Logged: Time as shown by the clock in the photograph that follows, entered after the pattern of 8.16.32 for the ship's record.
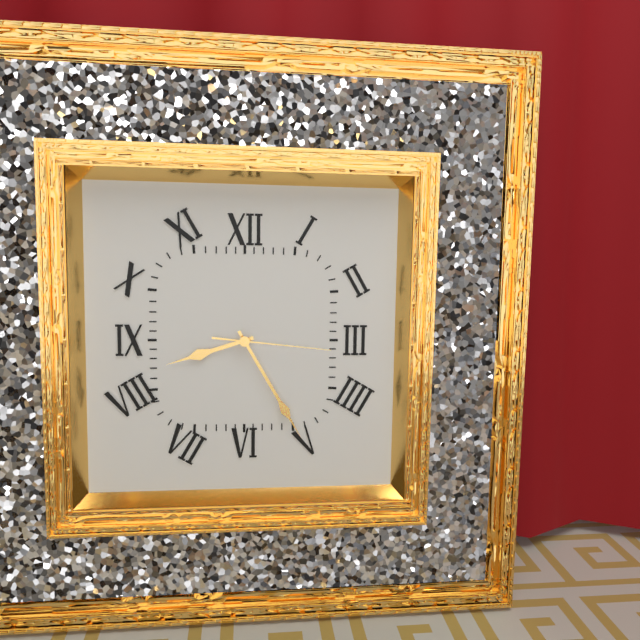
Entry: 8.25.16
